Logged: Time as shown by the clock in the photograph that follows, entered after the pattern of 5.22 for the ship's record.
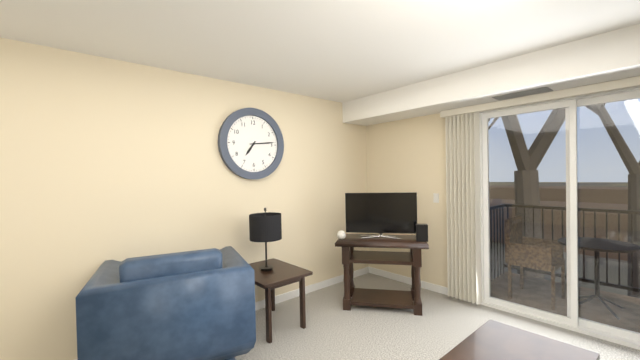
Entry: 7.14
